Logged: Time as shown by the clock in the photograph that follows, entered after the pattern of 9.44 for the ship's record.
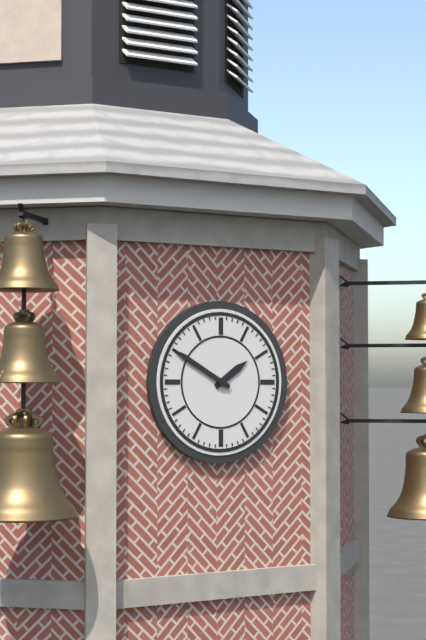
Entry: 1.50
